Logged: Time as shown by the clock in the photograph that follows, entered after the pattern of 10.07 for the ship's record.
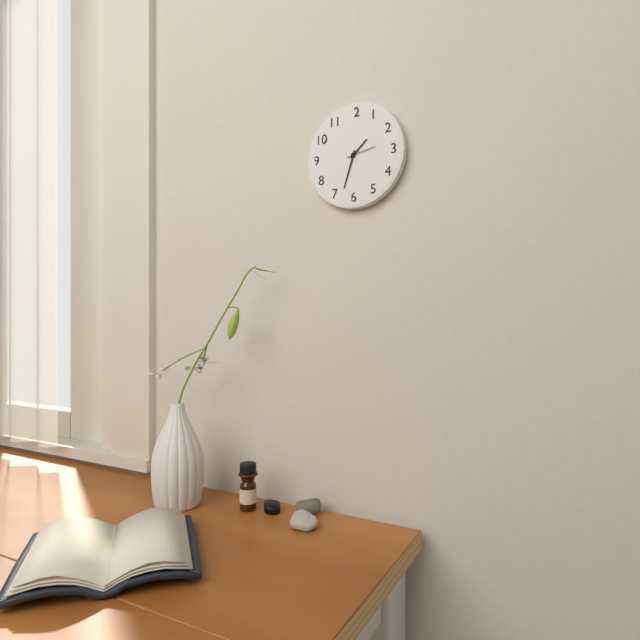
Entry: 1.33
